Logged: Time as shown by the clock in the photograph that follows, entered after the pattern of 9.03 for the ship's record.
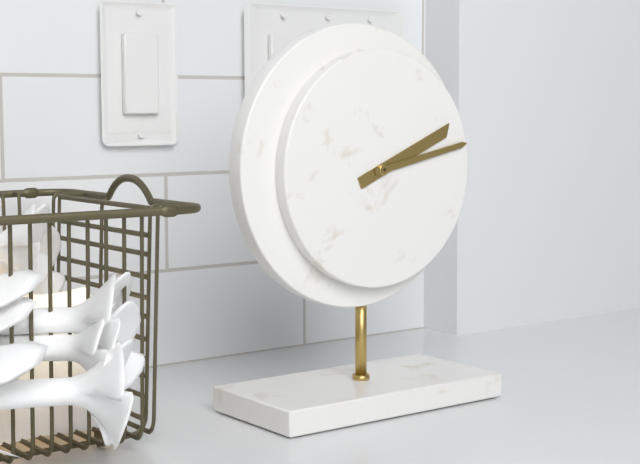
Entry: 2.13
